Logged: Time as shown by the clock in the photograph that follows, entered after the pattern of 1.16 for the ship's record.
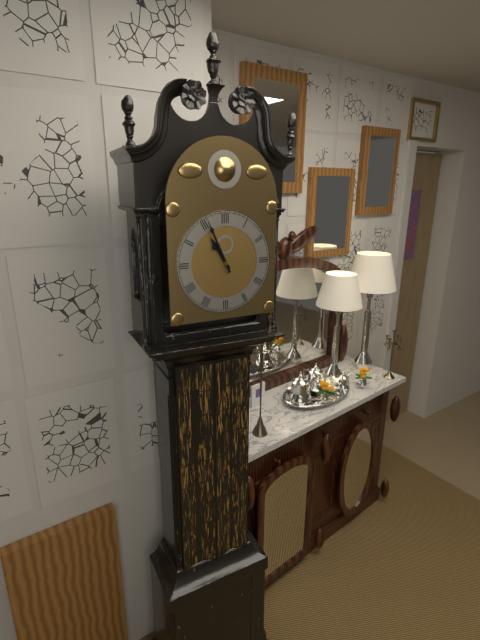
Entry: 10.56
